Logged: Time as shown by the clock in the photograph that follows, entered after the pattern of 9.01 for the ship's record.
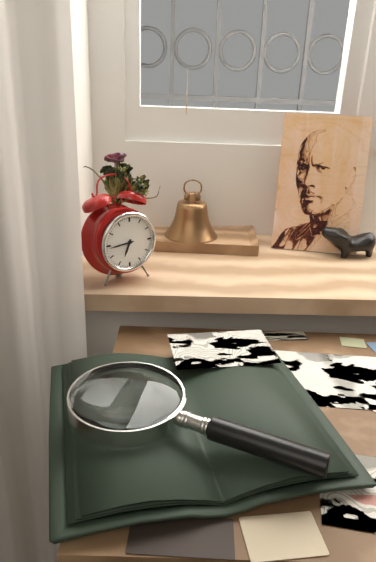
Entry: 6.44
